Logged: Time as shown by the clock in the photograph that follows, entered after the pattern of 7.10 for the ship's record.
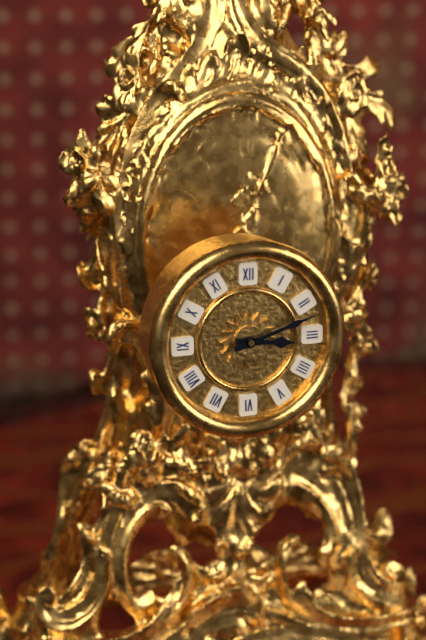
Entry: 3.12
